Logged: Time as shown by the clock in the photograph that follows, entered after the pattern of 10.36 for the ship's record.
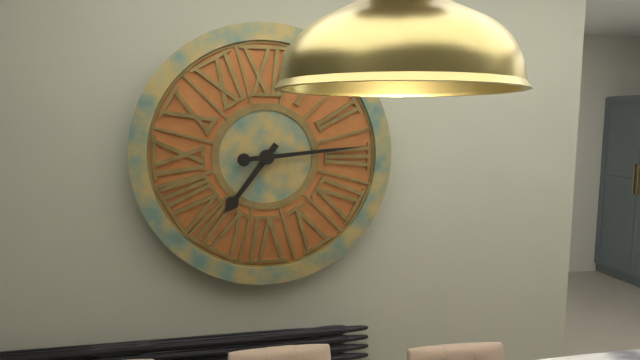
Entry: 7.14
